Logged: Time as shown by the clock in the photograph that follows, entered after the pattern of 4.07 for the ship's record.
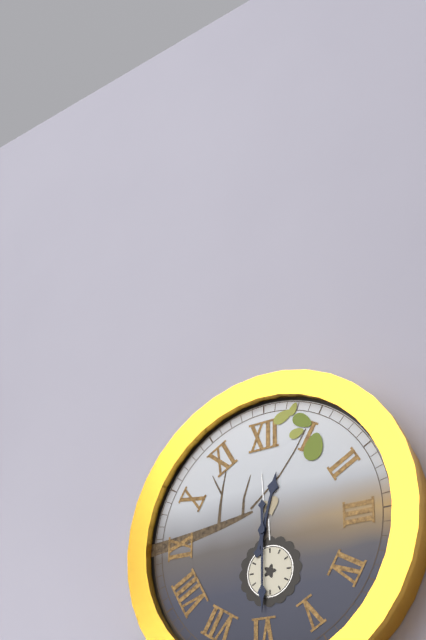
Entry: 12.30
